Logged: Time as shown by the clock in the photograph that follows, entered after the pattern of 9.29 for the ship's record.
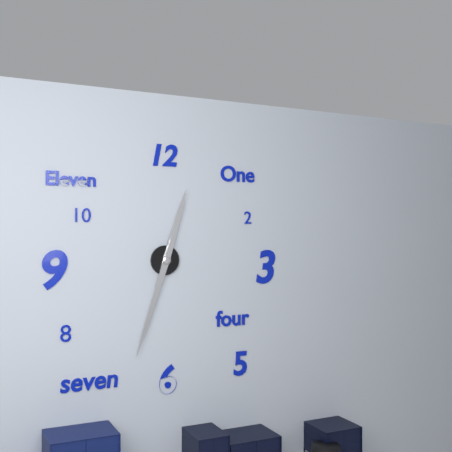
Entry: 12.33
